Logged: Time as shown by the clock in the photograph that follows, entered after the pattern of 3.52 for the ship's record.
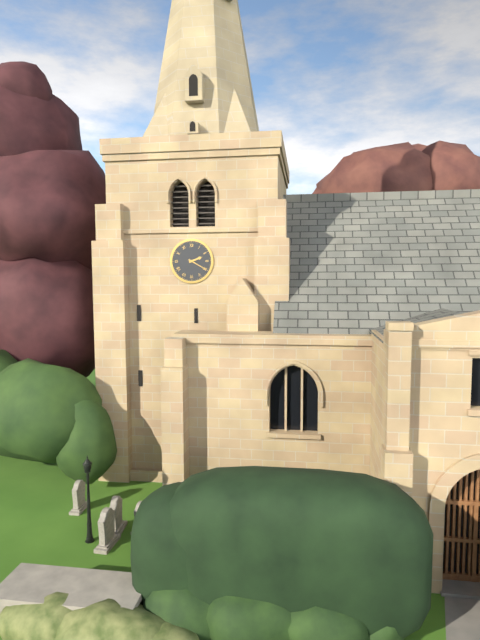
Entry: 2.20
